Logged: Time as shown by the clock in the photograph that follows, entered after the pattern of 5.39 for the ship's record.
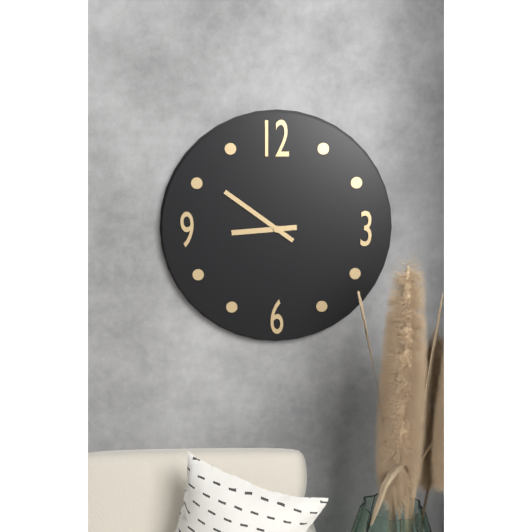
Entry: 8.51
